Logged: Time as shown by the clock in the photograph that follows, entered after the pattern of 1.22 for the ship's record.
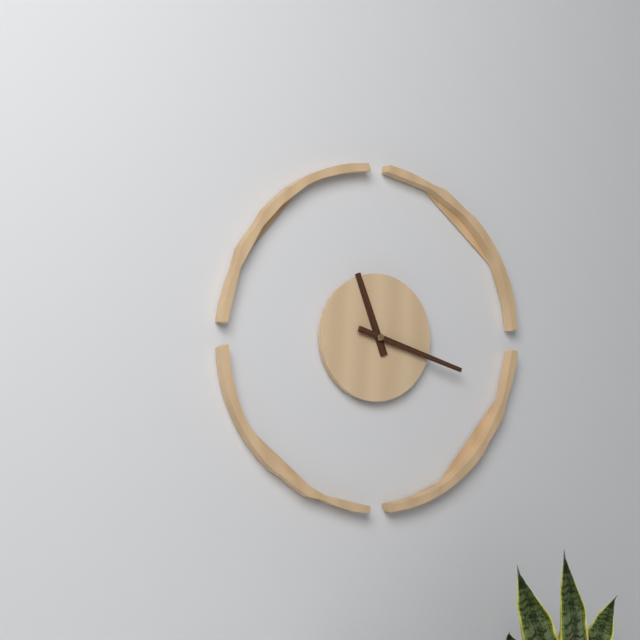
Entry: 11.18
